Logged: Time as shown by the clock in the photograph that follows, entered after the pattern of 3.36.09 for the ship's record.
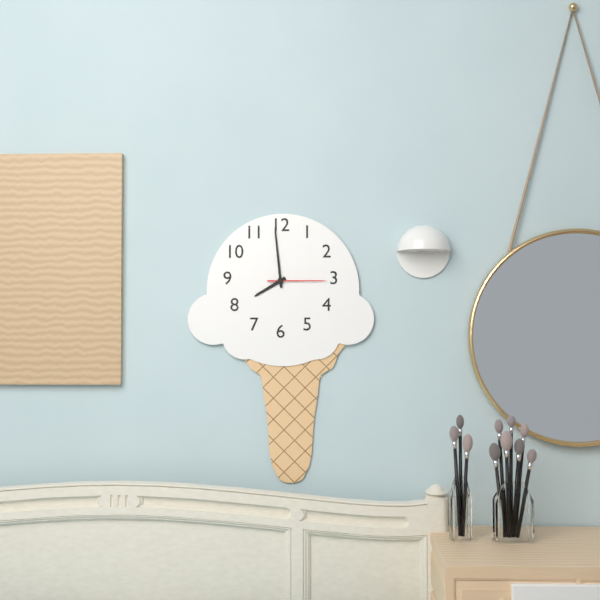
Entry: 7.59.15
